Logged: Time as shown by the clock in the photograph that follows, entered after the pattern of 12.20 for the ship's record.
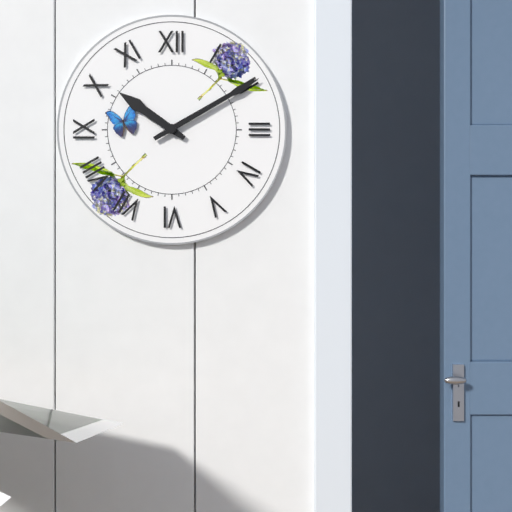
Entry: 10.10
